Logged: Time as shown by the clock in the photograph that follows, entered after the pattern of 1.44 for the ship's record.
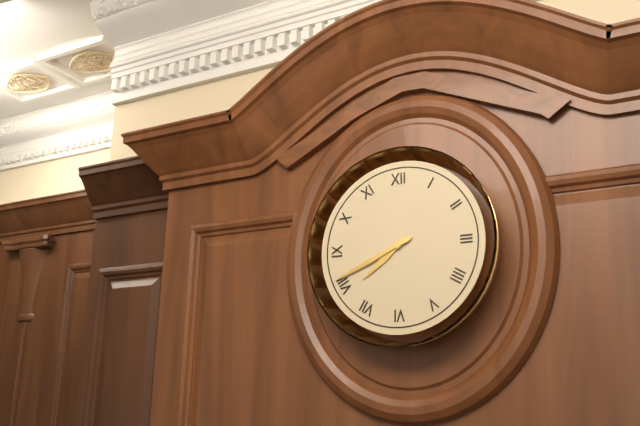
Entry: 7.41
